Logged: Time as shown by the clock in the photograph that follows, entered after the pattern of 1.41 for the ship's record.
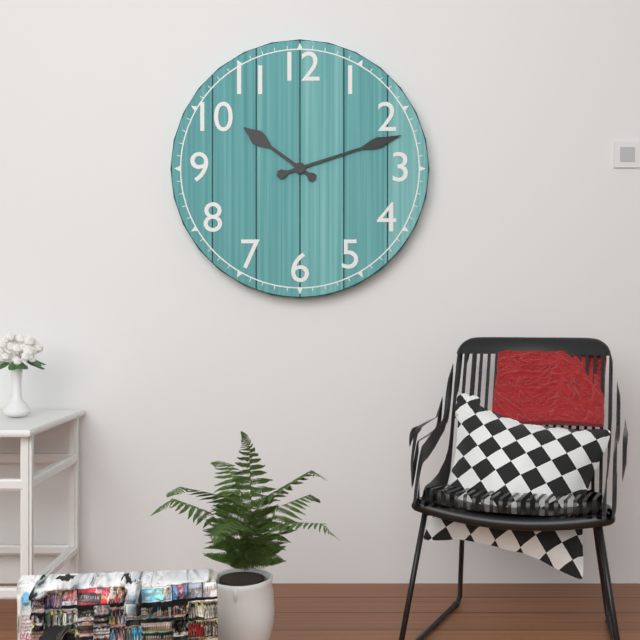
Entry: 10.12
